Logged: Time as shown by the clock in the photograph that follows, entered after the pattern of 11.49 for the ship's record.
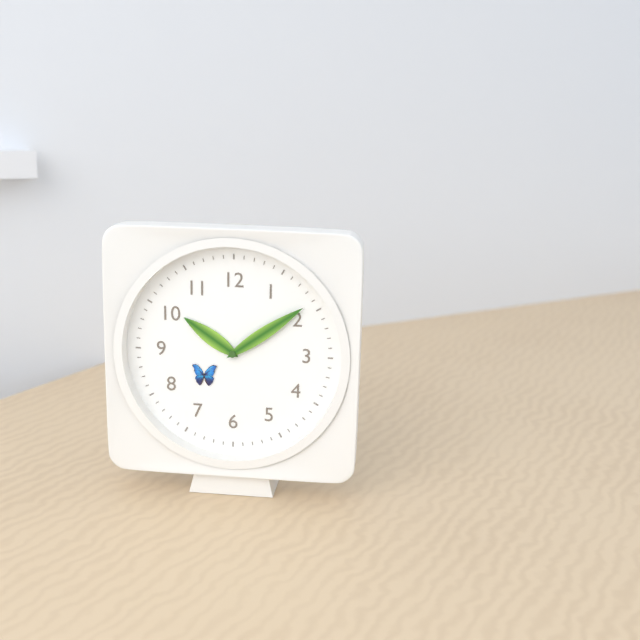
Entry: 10.09
